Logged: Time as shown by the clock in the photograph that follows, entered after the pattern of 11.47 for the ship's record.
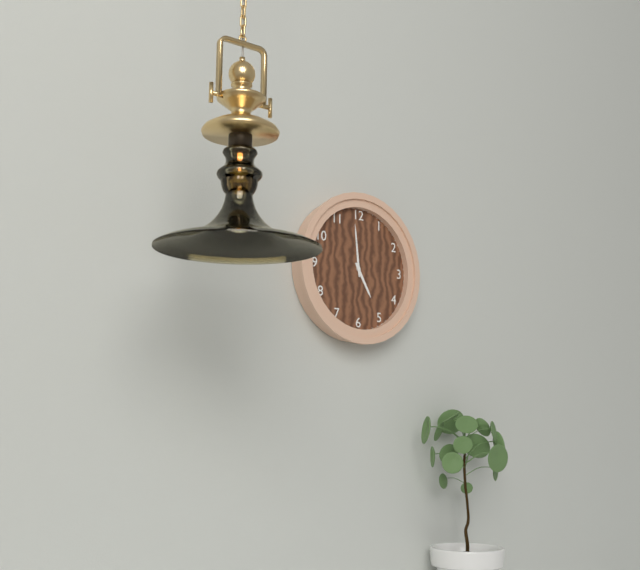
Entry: 4.59
